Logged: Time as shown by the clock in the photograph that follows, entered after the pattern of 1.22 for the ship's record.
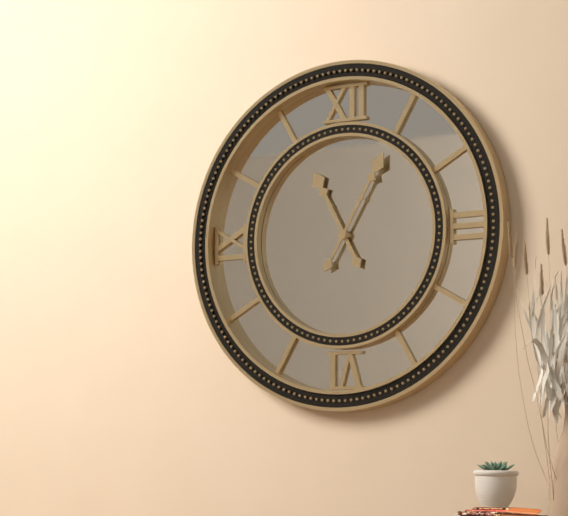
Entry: 11.05
